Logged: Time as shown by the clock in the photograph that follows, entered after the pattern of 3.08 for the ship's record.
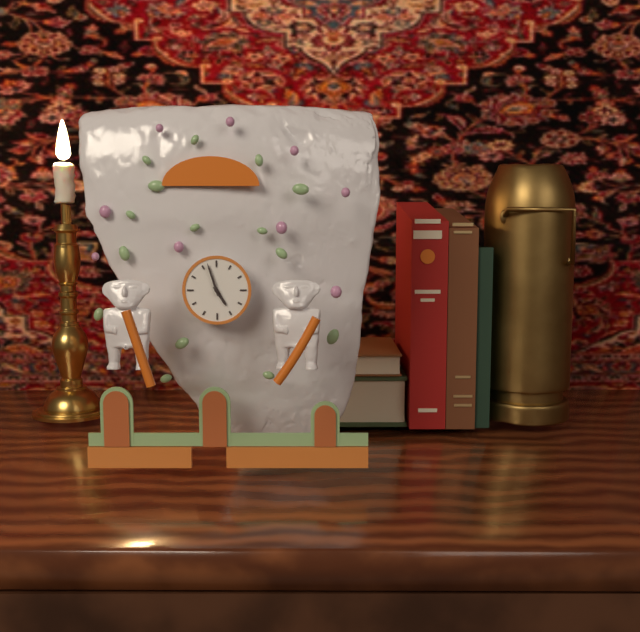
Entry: 4.57
